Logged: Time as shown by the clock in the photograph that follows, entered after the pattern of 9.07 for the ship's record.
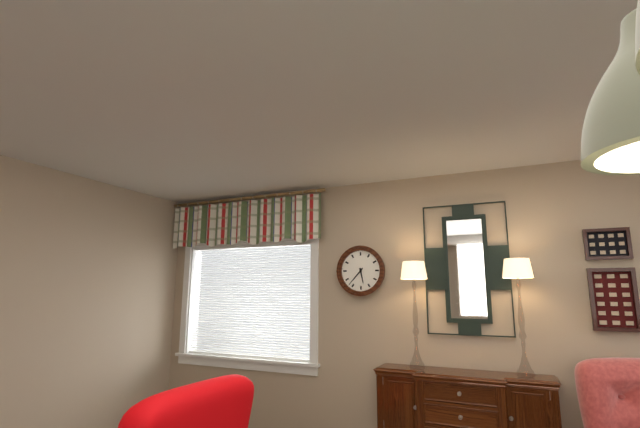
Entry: 5.37
